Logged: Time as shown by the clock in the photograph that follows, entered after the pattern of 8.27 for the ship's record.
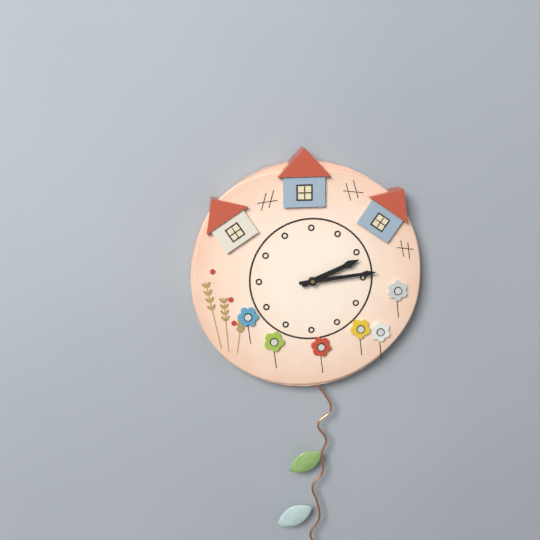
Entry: 2.14
